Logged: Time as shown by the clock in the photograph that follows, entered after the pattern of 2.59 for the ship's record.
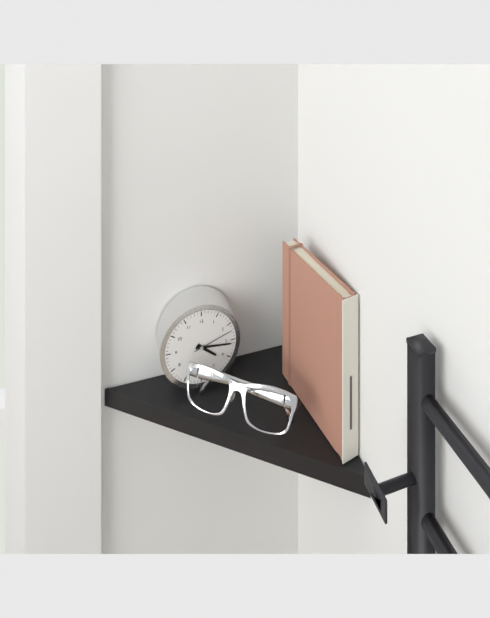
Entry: 4.16
